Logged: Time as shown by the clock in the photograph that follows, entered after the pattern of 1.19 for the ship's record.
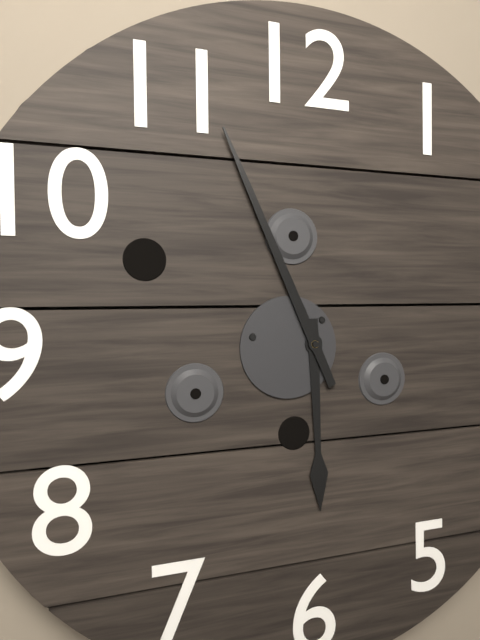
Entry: 5.56
